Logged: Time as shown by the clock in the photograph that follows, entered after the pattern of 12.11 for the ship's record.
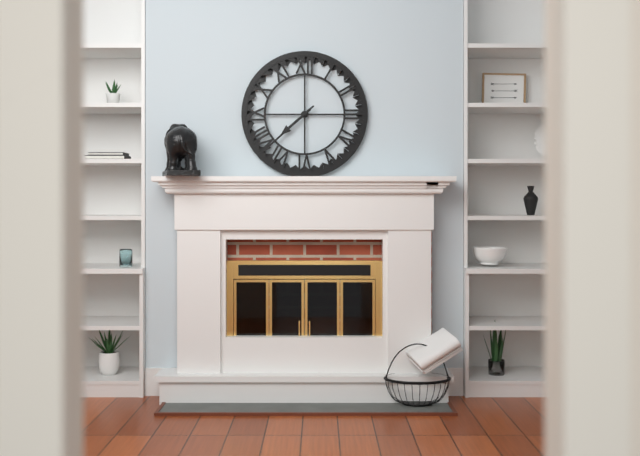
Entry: 7.38
